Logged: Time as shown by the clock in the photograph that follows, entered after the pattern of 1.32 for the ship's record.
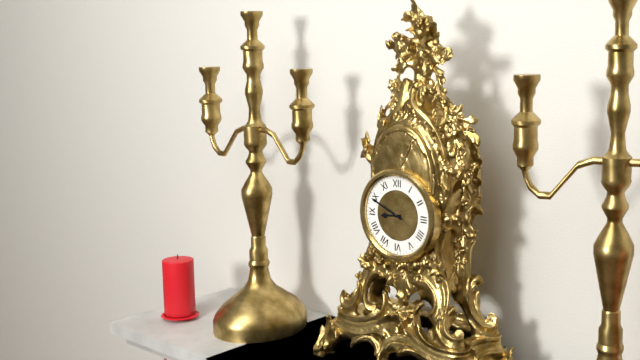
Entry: 8.49
